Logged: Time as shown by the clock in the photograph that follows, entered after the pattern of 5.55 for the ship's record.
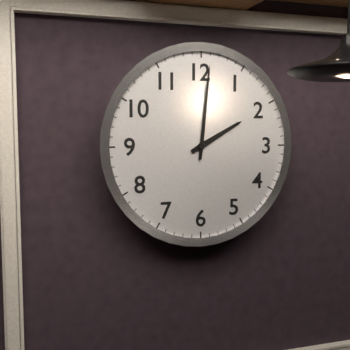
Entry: 2.01
